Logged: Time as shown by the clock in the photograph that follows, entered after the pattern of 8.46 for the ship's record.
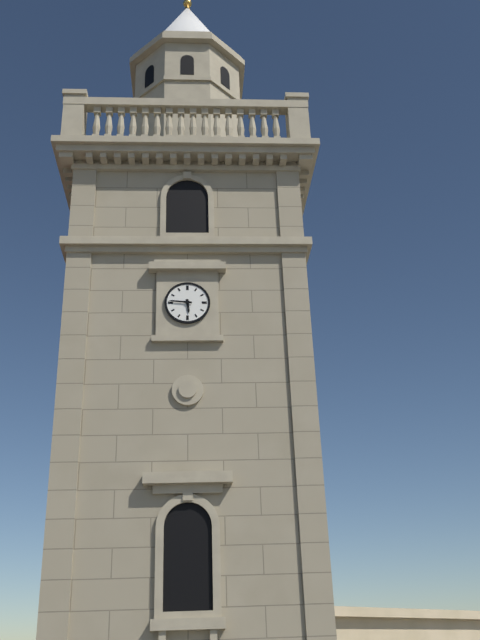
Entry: 5.46
